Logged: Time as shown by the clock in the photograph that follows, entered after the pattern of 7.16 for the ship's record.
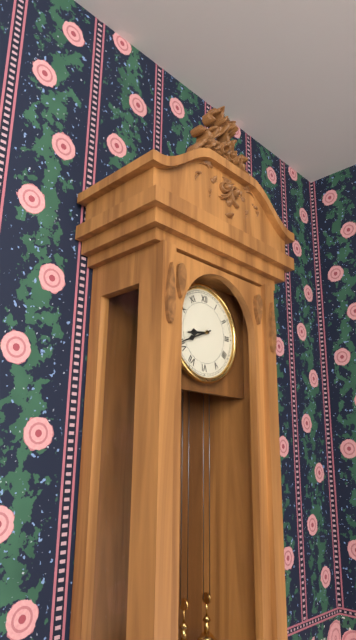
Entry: 8.41
